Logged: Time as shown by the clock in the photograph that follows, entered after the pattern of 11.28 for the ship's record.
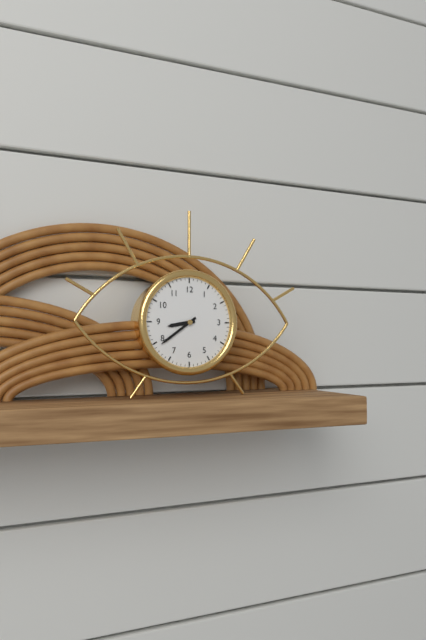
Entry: 8.39
